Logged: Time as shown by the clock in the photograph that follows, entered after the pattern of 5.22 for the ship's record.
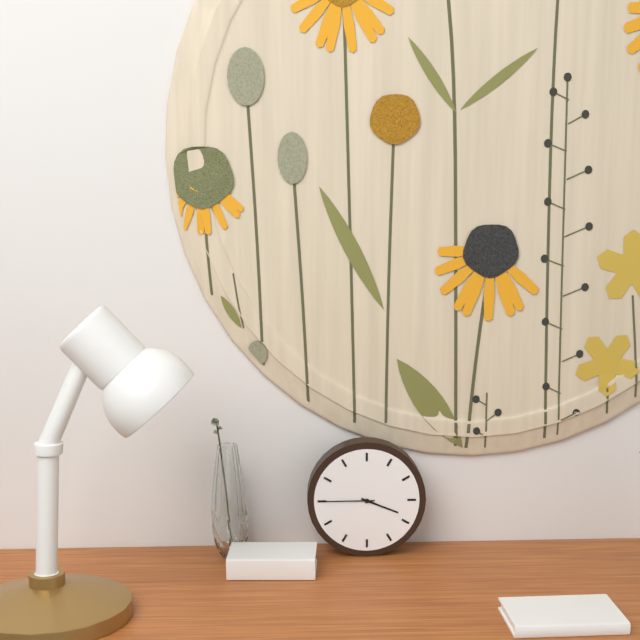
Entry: 3.45
